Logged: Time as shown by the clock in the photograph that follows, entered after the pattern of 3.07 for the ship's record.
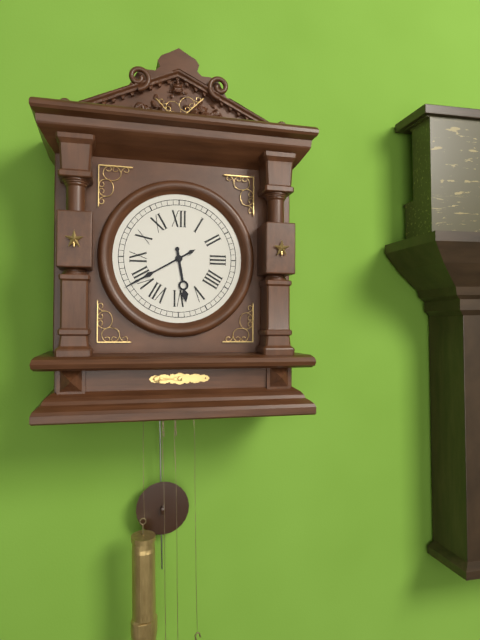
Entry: 5.40
